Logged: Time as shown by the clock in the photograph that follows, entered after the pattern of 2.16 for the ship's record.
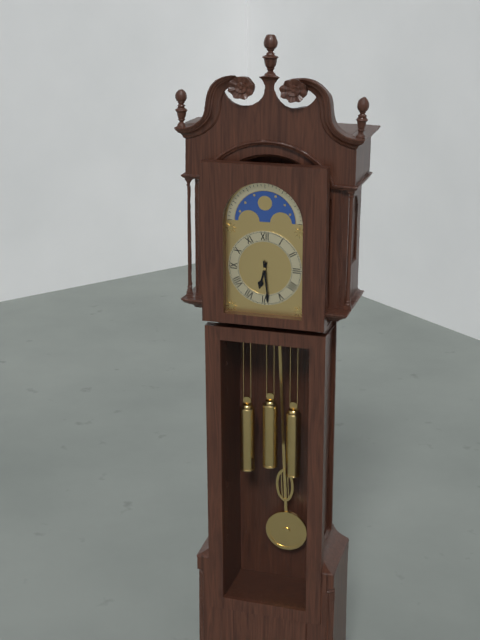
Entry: 6.29
